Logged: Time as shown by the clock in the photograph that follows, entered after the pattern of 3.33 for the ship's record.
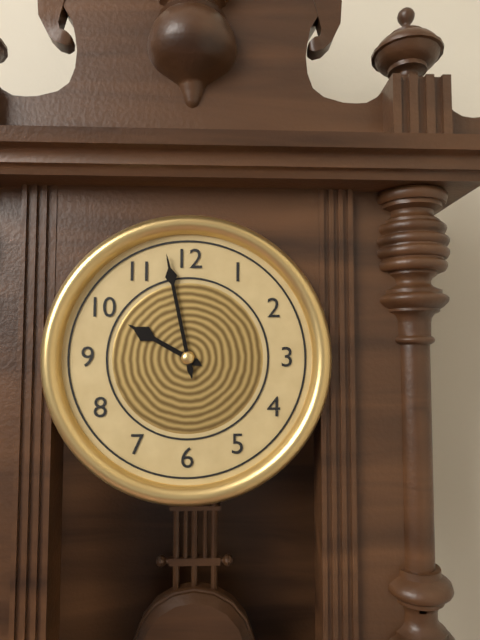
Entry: 9.58
